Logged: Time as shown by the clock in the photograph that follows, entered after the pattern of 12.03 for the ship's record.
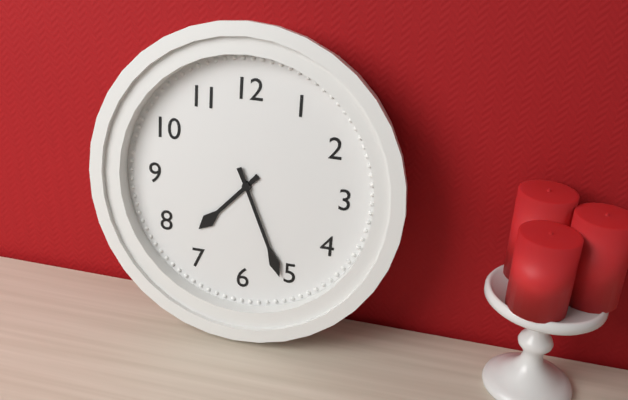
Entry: 7.26
